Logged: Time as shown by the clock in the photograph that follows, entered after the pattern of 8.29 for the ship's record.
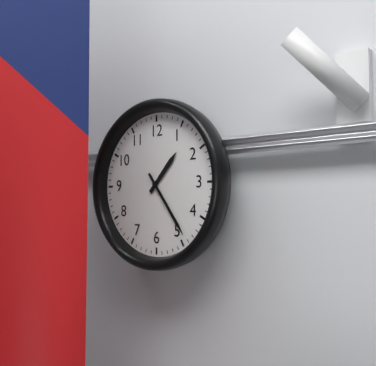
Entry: 1.24
